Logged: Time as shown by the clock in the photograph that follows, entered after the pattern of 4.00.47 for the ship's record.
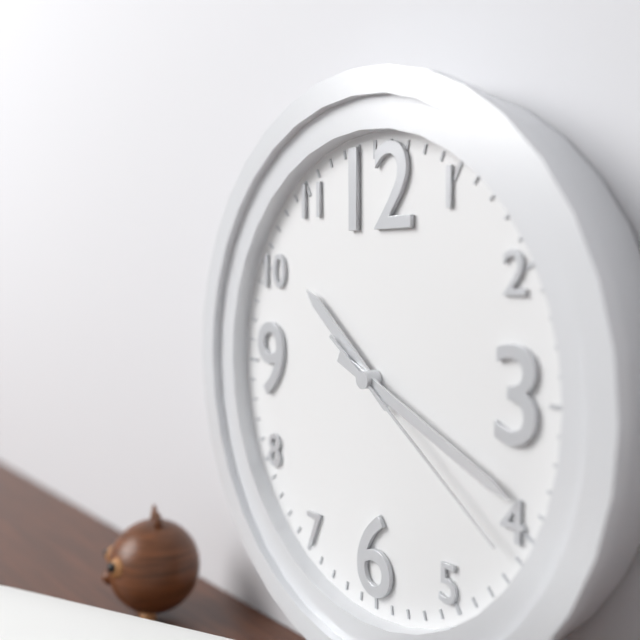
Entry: 10.19.21
